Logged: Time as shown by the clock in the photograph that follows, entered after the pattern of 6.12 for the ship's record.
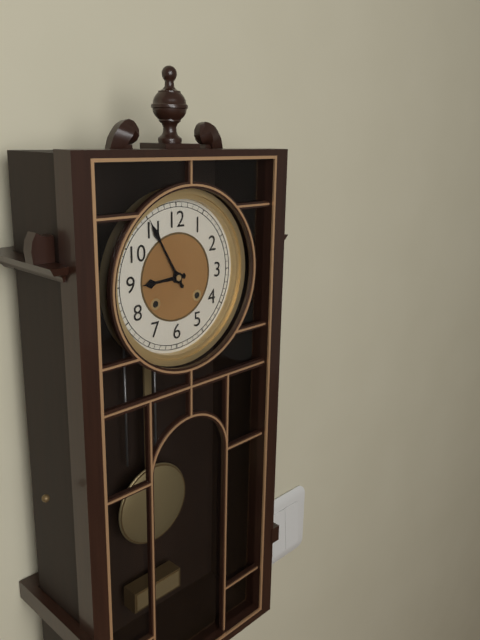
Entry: 8.55
